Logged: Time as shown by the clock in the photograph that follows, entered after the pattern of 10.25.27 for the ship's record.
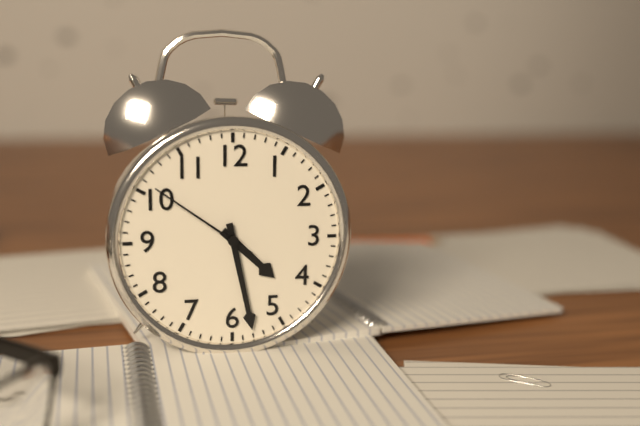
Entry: 4.28.51
